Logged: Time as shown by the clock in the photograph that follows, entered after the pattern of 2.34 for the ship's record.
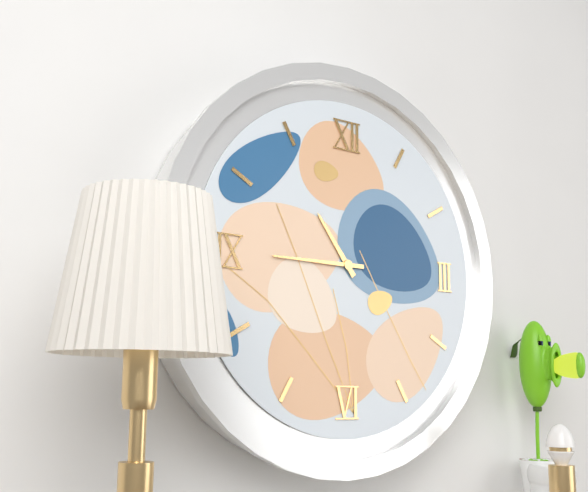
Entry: 10.45
